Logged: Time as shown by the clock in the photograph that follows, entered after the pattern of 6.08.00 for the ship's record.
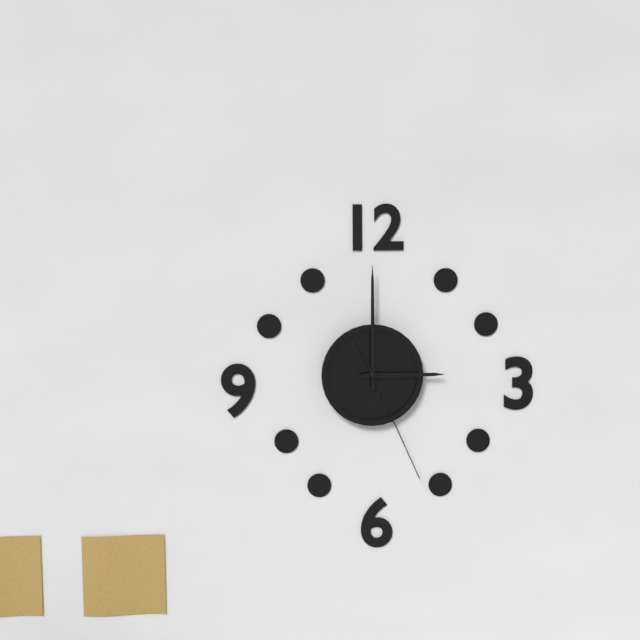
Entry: 3.00.26
